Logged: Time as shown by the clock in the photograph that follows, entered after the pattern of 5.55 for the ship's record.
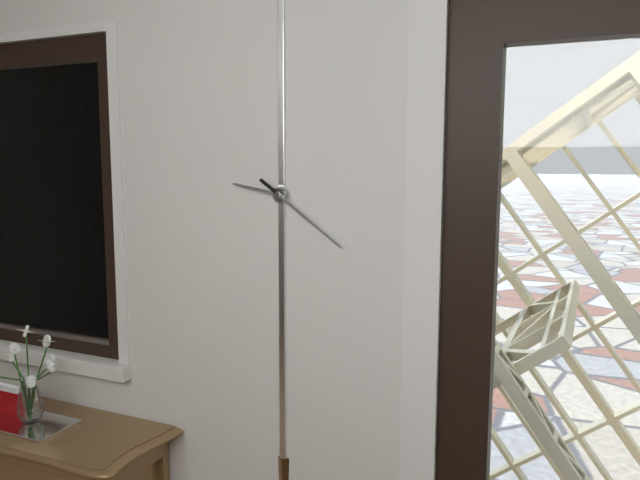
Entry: 9.21
